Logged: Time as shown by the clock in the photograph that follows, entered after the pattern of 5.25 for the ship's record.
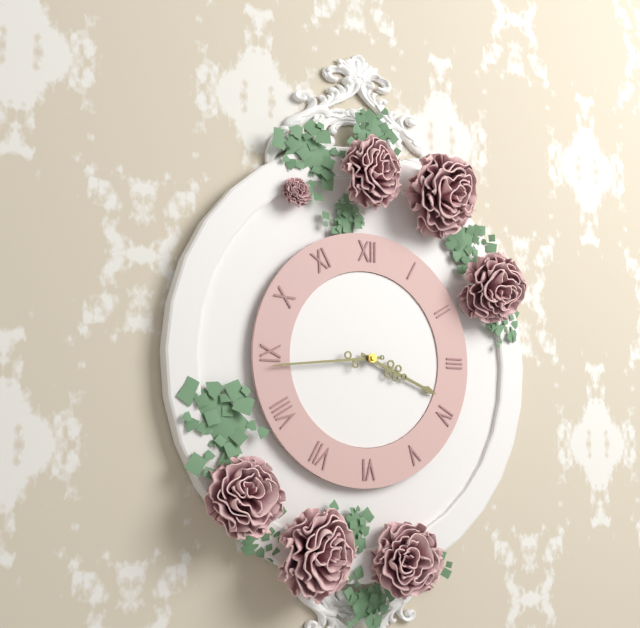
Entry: 3.44
